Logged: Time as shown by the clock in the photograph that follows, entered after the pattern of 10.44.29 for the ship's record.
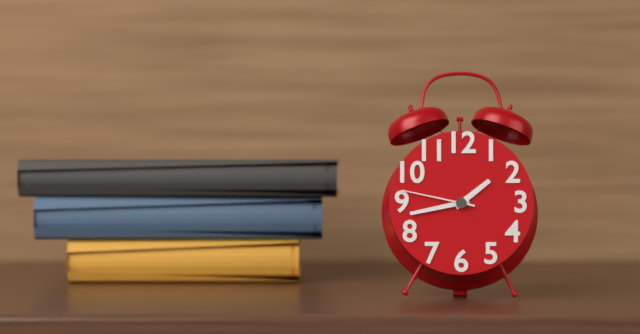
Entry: 1.43.47
